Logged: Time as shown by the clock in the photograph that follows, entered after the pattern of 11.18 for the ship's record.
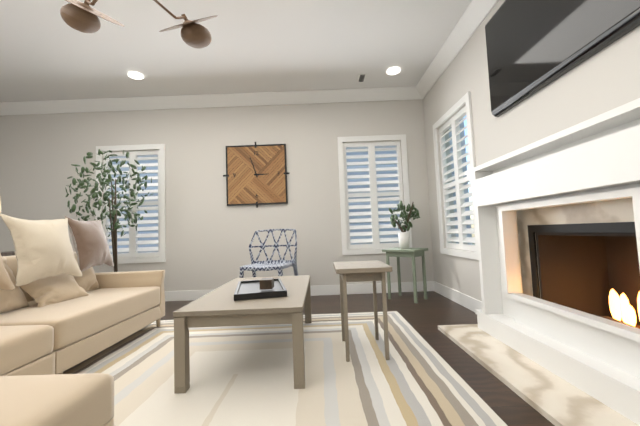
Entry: 2.57
